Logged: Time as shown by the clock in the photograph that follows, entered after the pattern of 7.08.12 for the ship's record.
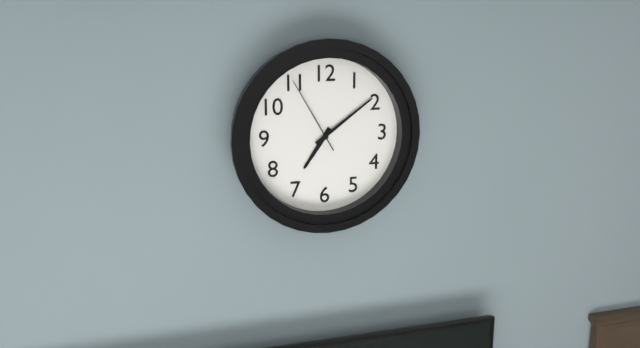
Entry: 7.09.55
